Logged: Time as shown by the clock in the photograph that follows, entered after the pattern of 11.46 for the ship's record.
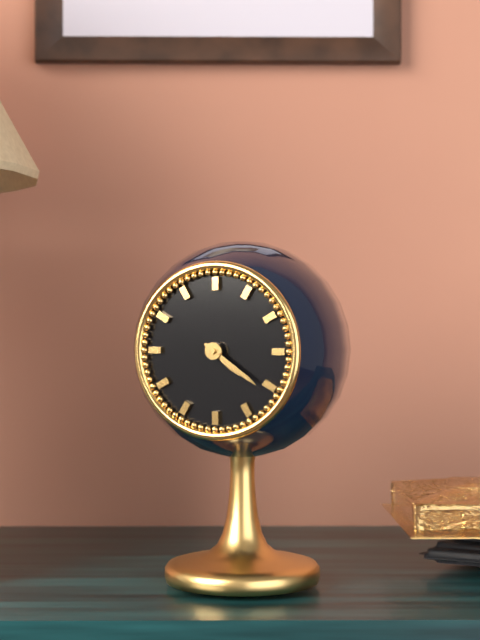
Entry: 4.21
